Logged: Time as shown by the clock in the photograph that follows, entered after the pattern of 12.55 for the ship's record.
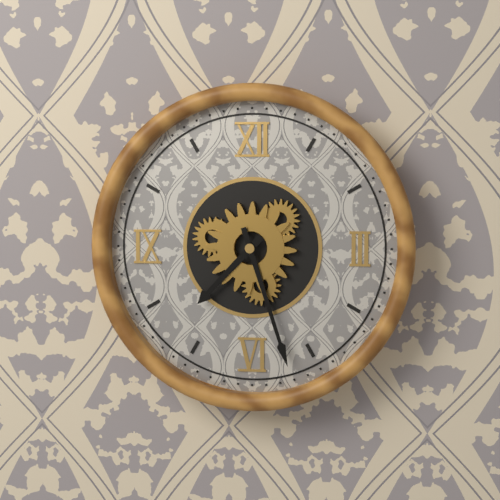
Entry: 7.27
